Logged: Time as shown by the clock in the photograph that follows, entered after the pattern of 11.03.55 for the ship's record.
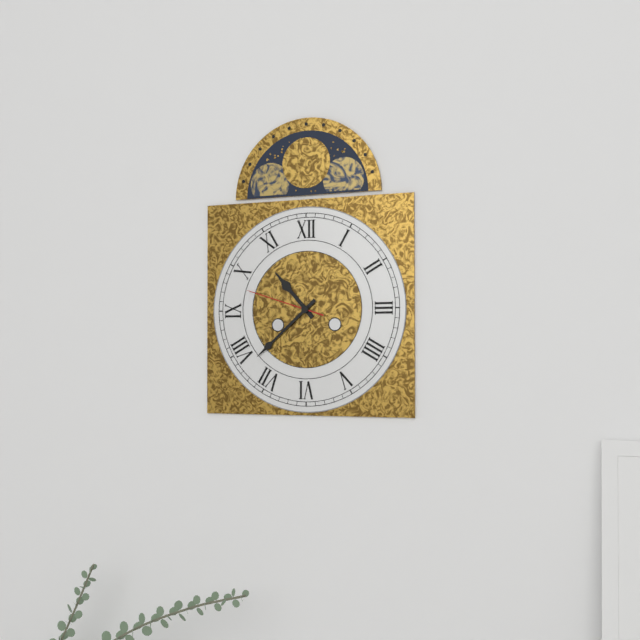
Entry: 10.38.48
